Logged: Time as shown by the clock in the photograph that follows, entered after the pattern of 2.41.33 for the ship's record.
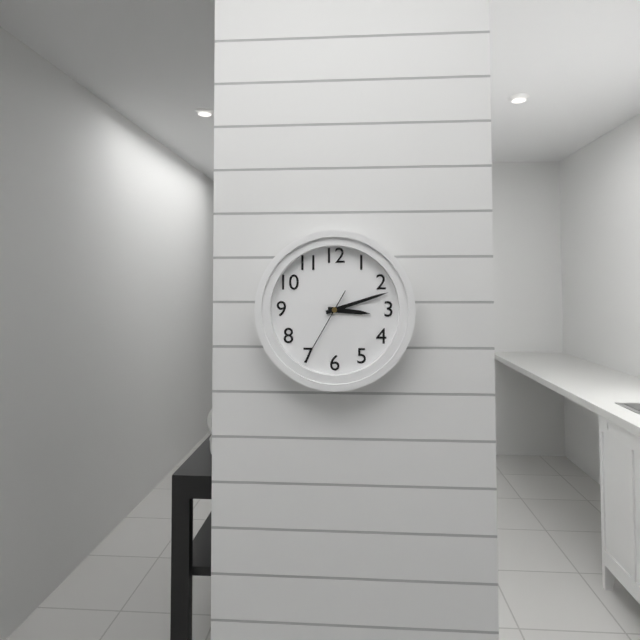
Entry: 3.12.35
